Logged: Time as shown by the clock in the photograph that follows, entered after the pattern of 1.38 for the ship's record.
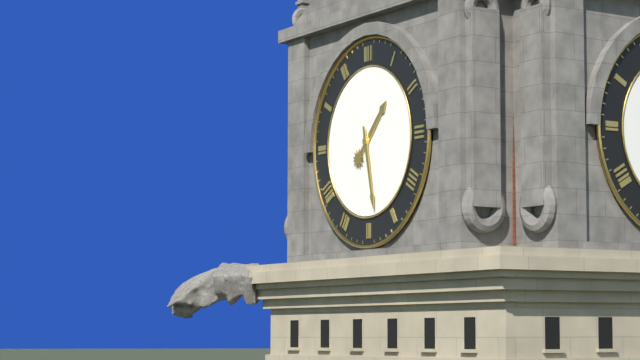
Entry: 1.28
